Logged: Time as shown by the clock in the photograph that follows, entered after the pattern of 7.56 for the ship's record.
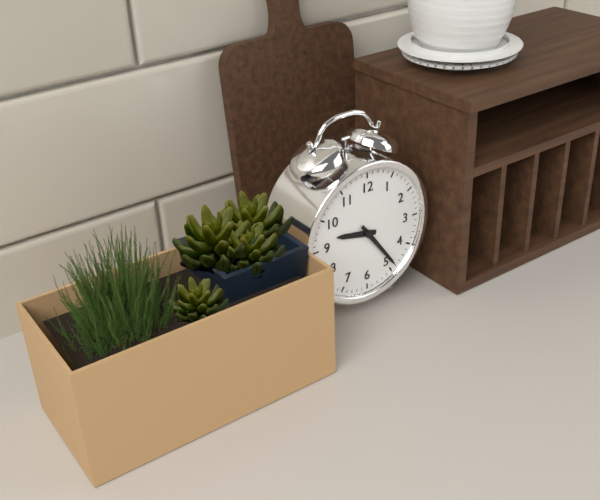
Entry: 9.24
